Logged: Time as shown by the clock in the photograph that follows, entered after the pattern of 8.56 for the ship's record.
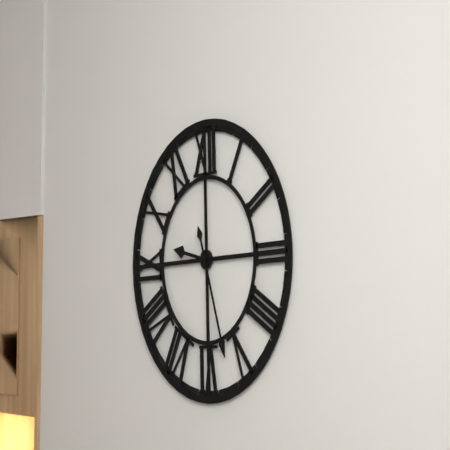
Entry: 9.27
